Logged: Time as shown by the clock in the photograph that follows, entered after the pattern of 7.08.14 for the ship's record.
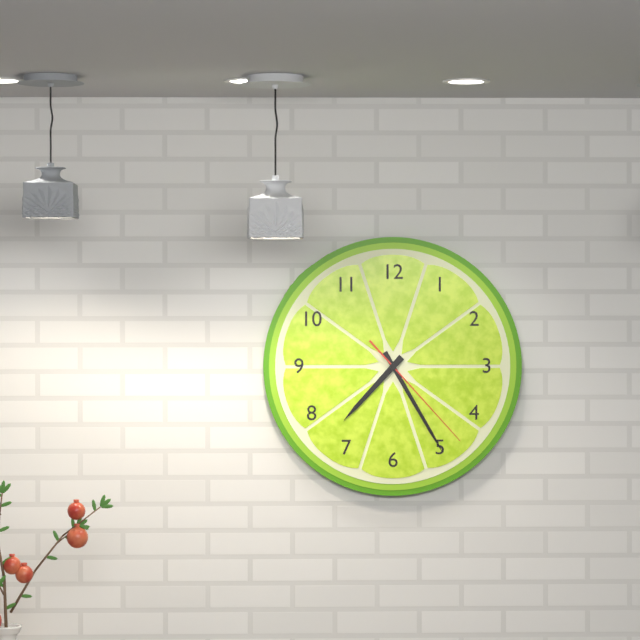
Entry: 7.25.23
